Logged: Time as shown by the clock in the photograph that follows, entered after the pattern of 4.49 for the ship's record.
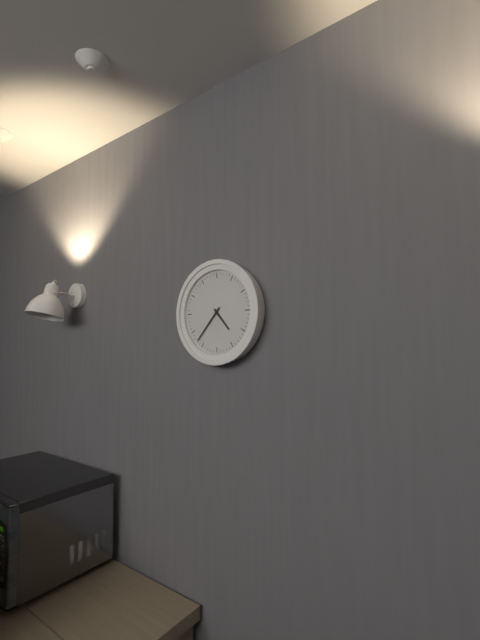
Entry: 4.37
